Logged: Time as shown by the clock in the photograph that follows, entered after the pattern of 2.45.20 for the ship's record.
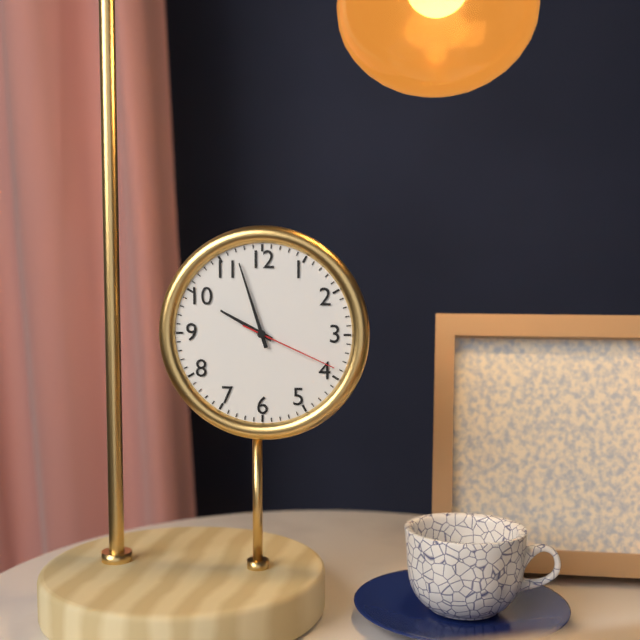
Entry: 9.57.19
